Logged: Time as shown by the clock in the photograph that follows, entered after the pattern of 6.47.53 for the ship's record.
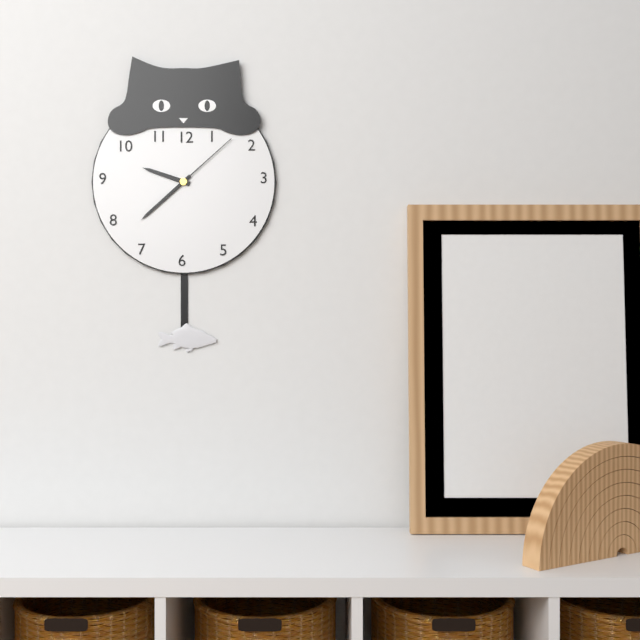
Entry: 9.38.08
